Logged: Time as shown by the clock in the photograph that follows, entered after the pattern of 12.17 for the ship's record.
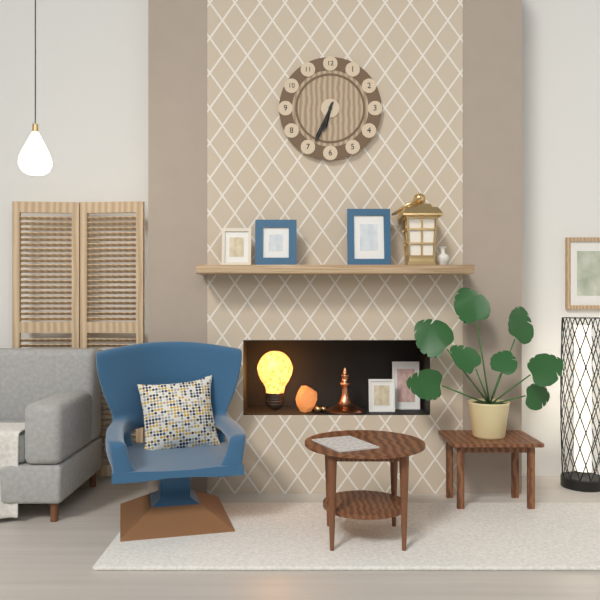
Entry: 6.34
